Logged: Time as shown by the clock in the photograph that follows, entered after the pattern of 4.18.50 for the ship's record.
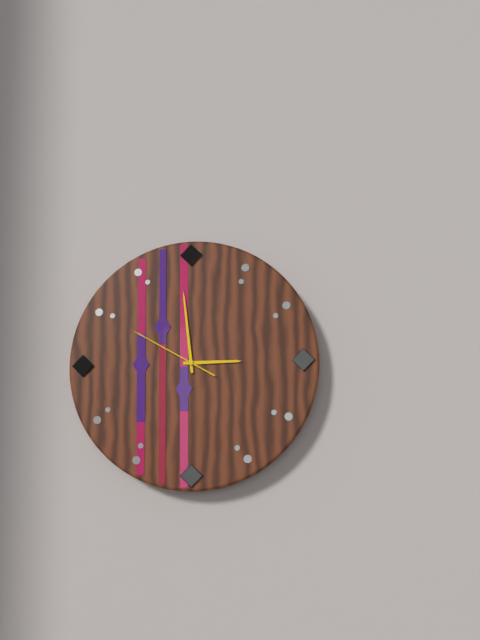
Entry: 2.59.50
